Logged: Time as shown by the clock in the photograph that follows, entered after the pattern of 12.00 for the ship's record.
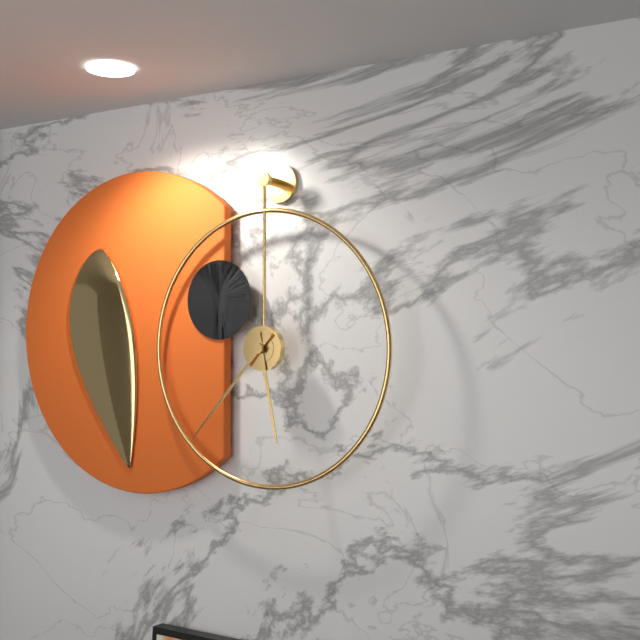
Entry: 5.37
